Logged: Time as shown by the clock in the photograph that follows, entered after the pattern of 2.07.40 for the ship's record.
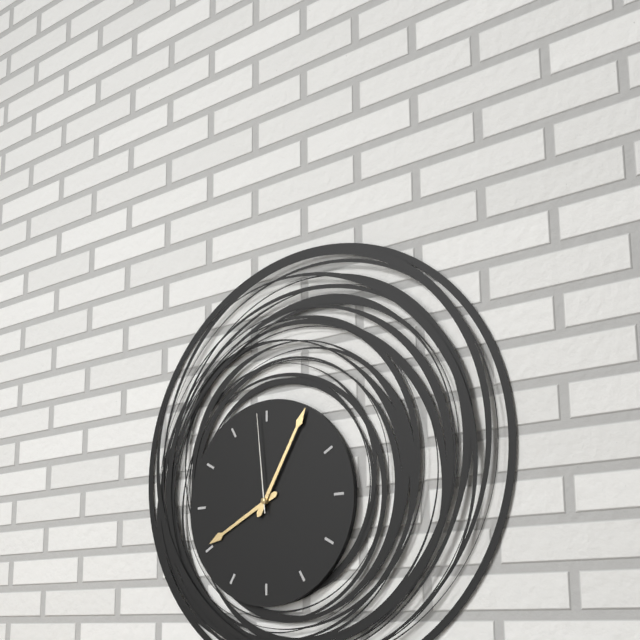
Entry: 8.05.59
